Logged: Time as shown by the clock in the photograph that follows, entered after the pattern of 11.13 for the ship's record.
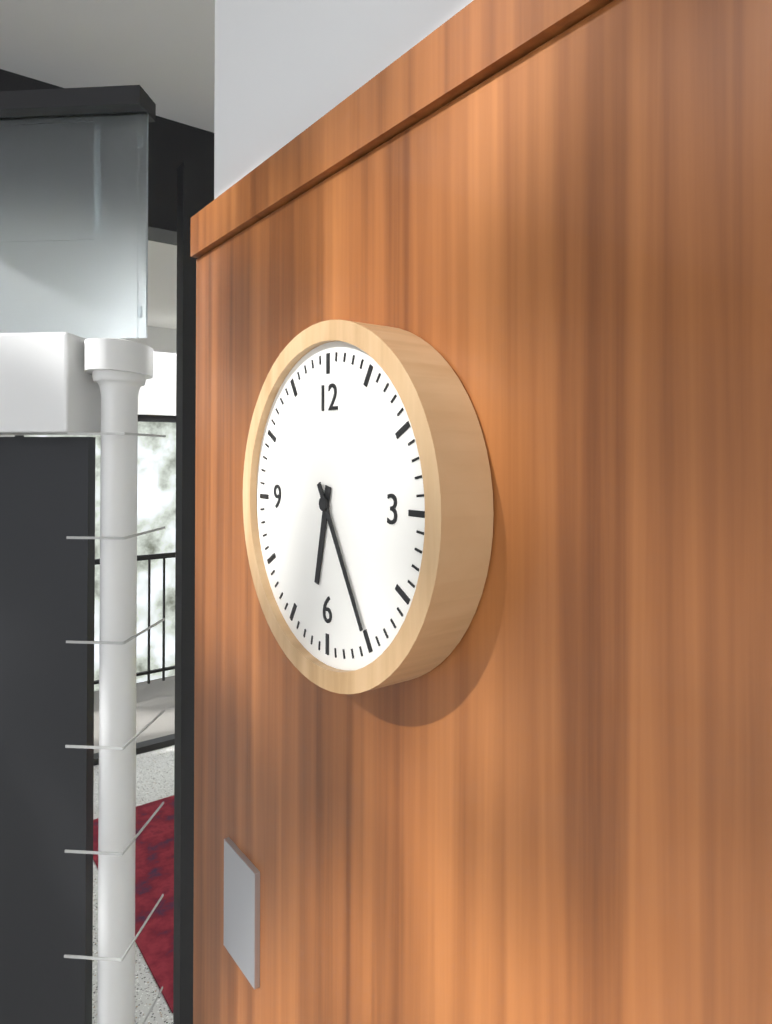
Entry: 6.25
